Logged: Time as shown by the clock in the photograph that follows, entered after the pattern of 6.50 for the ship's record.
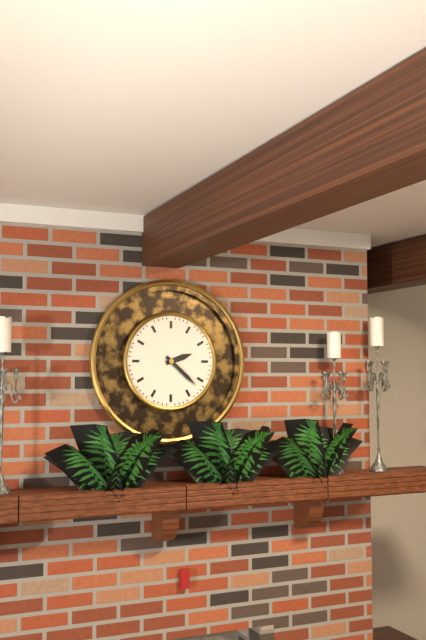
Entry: 2.22
